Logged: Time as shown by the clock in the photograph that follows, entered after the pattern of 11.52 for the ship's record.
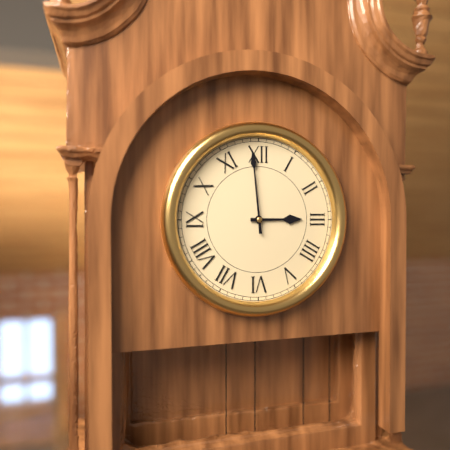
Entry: 2.59
